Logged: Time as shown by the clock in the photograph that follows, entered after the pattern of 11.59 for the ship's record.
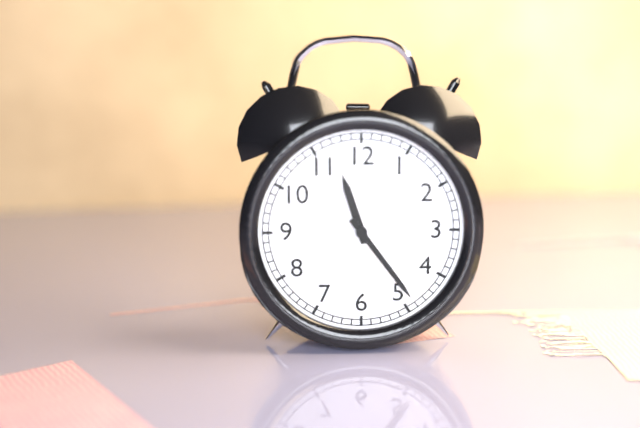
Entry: 11.24
